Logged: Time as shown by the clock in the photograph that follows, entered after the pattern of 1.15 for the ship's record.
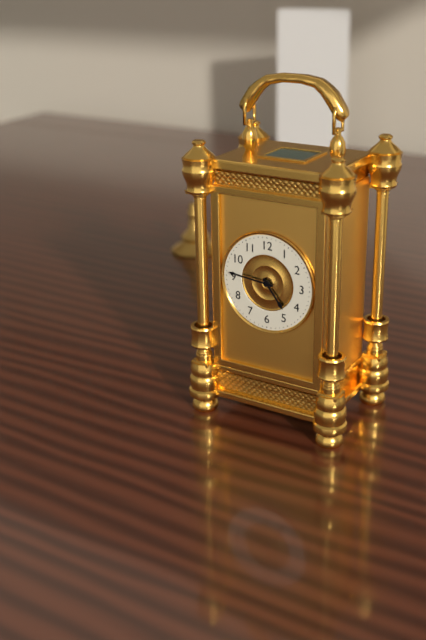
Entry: 4.46
